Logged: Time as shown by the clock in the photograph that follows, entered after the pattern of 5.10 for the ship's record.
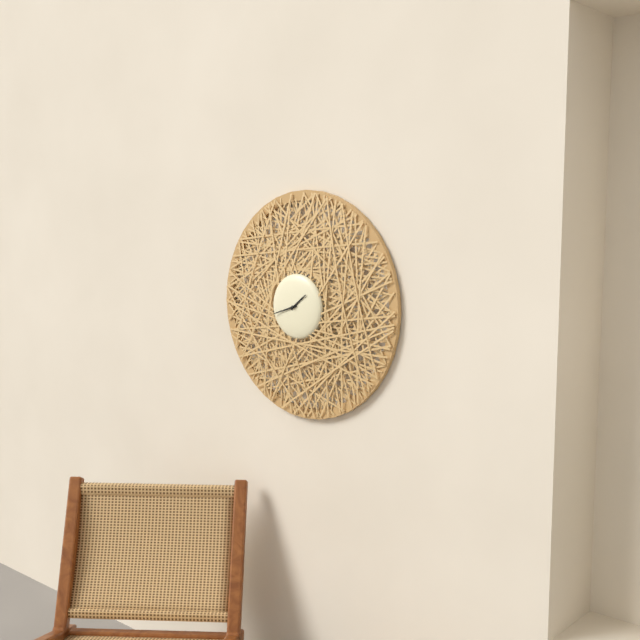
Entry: 1.42
